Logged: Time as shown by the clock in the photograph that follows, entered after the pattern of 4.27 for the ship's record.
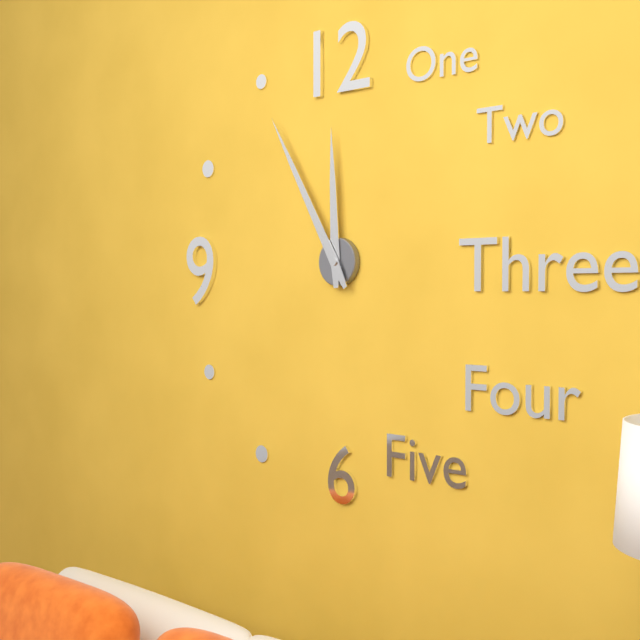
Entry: 11.55
